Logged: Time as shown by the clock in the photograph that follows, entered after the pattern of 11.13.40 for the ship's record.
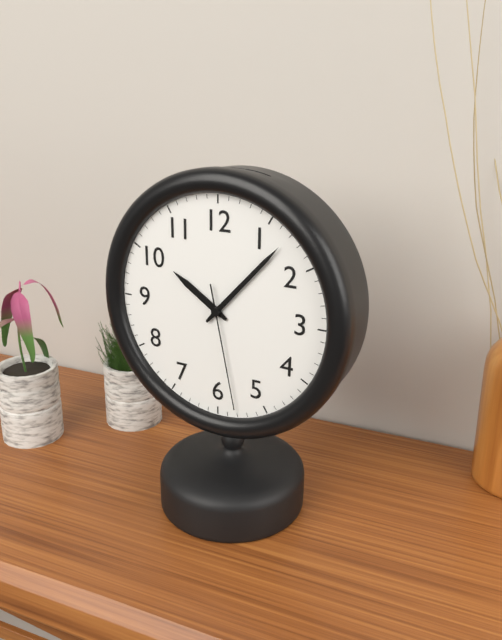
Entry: 10.07.28
